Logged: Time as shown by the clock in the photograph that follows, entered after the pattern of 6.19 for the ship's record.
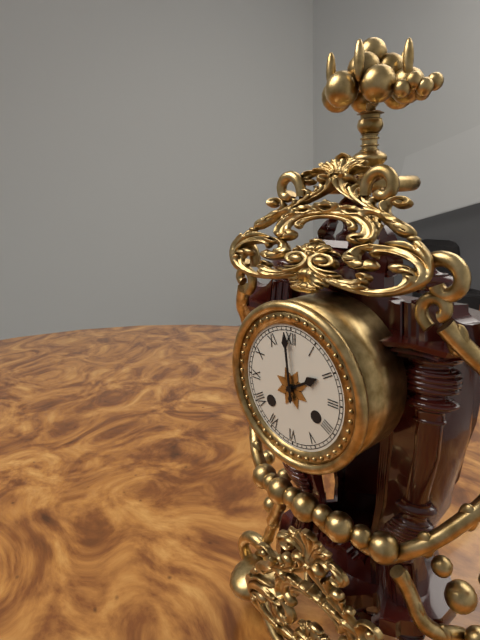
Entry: 1.59
